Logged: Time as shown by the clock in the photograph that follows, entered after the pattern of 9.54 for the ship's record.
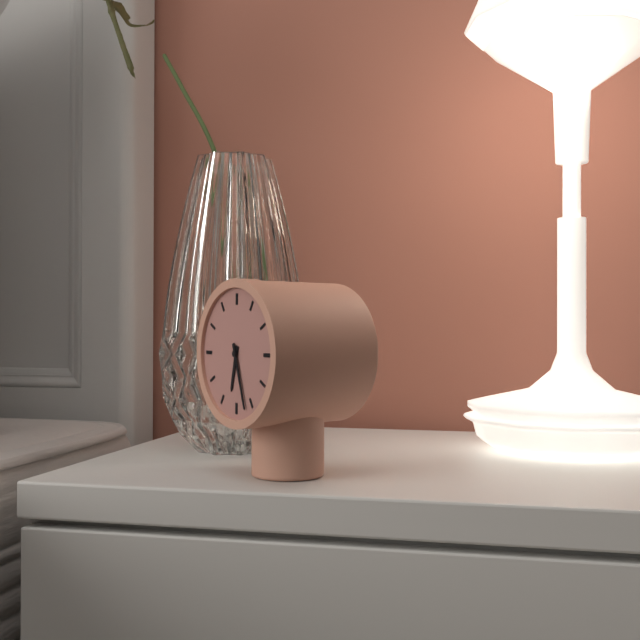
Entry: 6.27
